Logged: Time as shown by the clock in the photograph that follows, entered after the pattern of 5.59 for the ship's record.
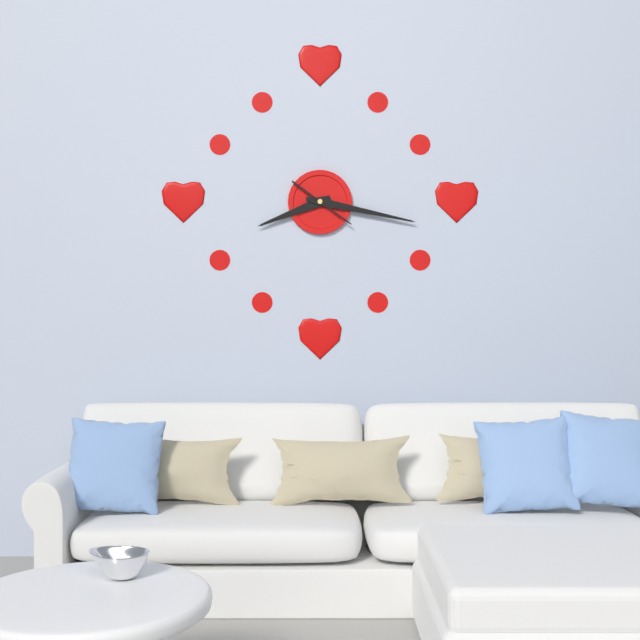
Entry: 8.17
